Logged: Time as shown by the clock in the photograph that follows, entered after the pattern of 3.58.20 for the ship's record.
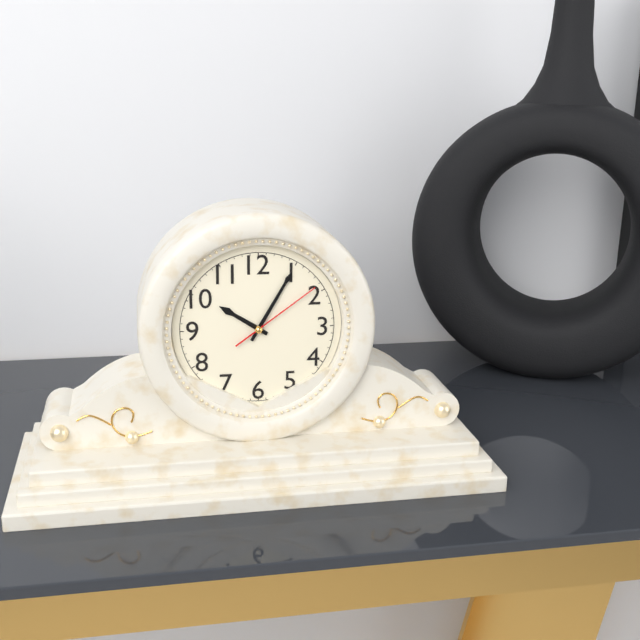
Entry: 10.05.09
